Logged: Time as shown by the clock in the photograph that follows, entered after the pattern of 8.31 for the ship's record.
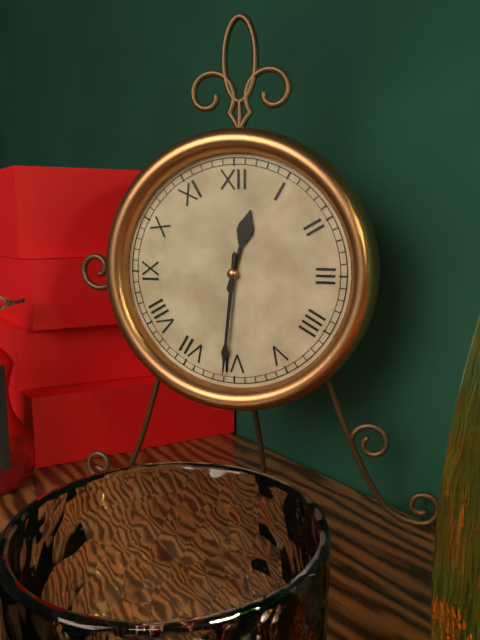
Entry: 12.31
